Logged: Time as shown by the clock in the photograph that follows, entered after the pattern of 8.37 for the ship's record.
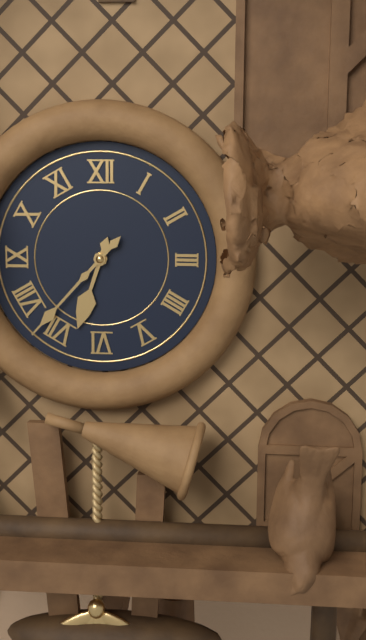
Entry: 6.37
